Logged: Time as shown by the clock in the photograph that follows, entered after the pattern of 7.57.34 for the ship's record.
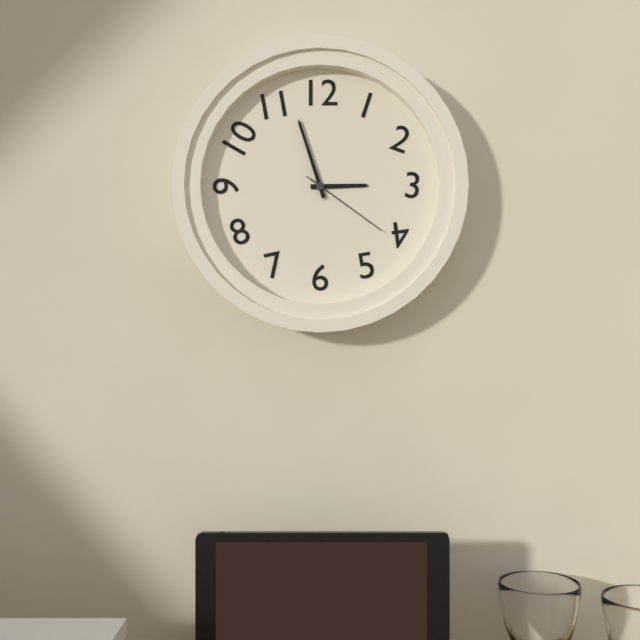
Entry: 2.57.21
